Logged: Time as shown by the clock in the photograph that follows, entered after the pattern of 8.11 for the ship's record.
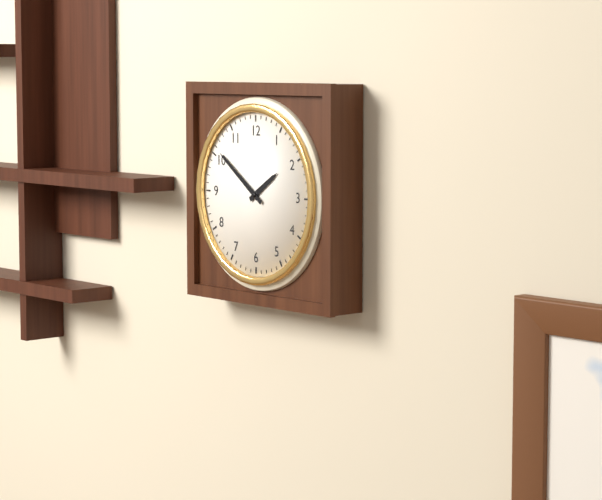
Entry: 1.51
